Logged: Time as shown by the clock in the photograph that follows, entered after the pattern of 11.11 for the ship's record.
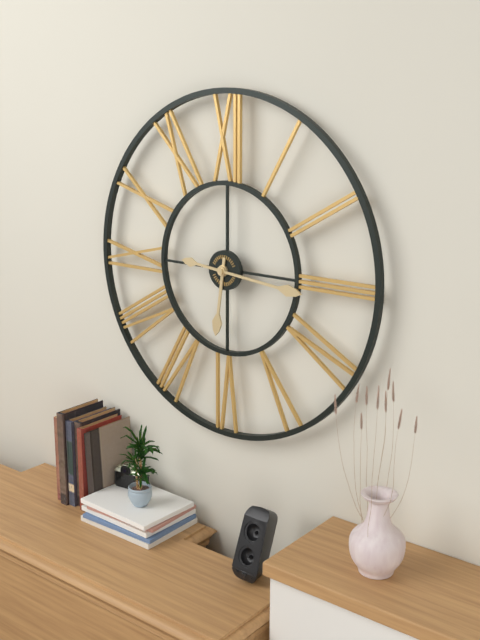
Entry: 6.16
